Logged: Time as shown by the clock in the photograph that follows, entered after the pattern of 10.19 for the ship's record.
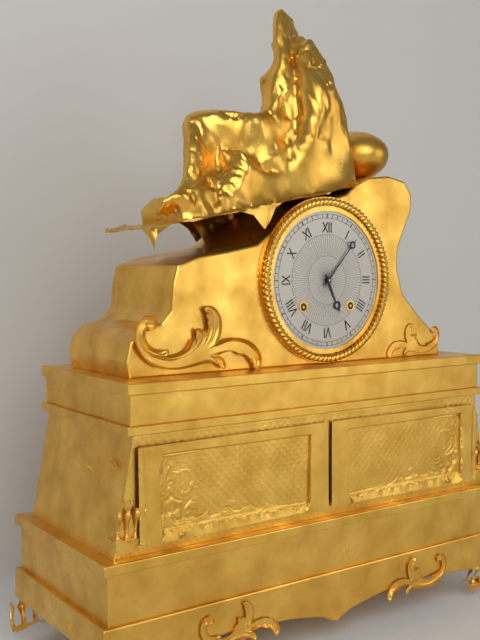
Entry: 5.07
